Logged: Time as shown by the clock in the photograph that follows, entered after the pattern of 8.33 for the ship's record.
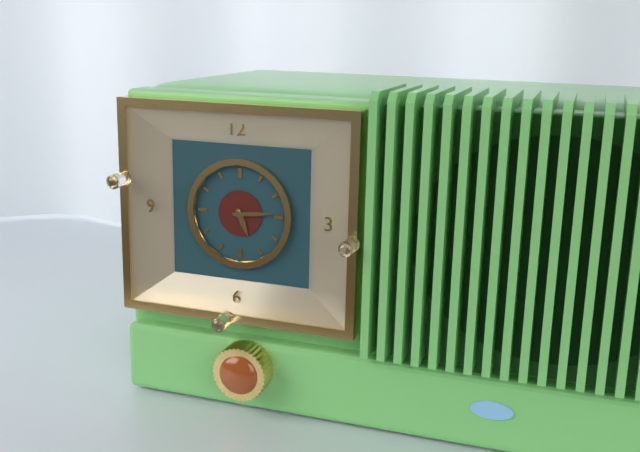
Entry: 5.14
